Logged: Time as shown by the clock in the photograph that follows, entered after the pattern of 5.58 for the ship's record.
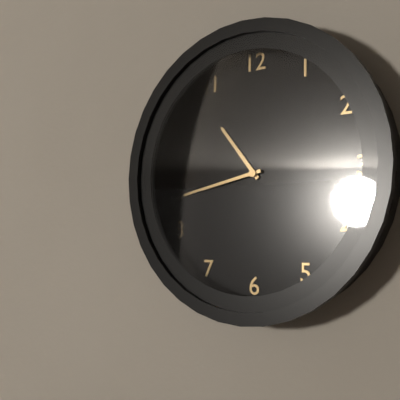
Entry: 10.43
